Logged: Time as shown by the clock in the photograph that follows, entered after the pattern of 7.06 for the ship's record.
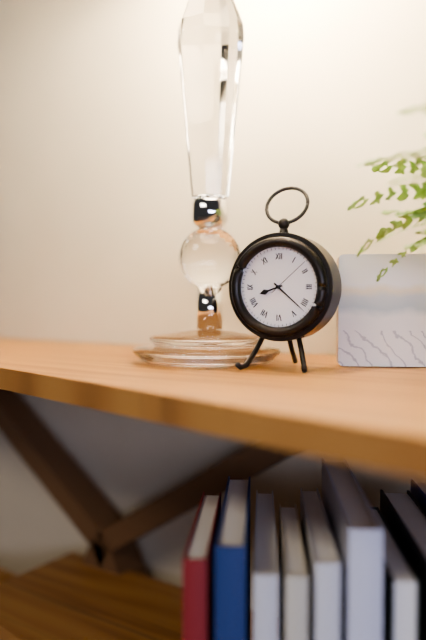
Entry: 8.22
